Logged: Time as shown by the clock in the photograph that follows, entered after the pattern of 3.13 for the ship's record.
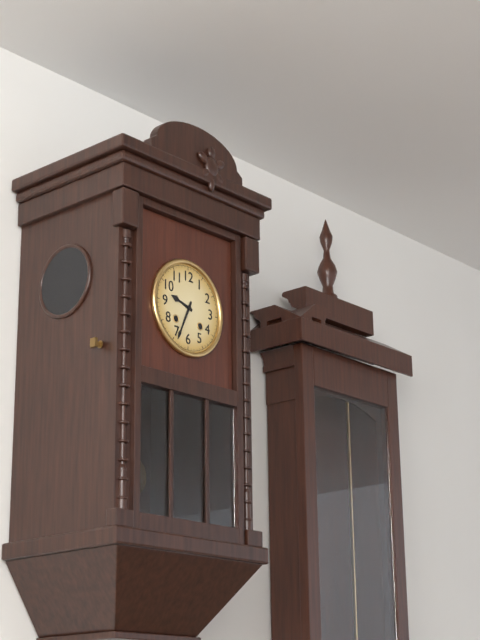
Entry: 9.34
